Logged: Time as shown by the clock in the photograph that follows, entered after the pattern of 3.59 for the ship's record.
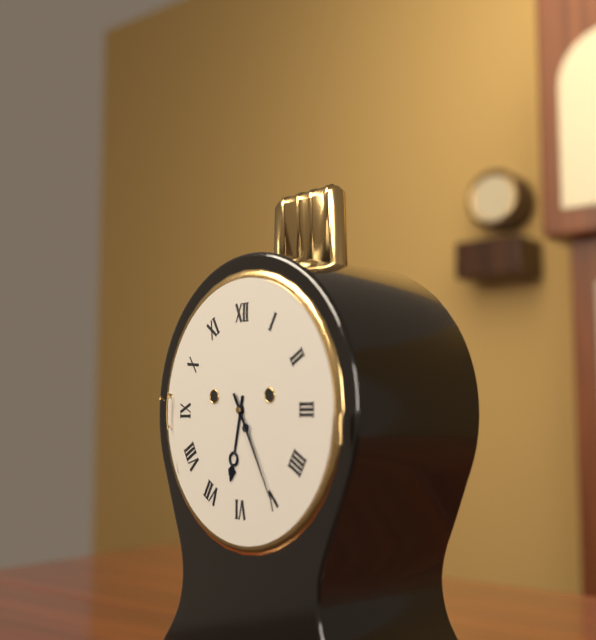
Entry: 6.25
